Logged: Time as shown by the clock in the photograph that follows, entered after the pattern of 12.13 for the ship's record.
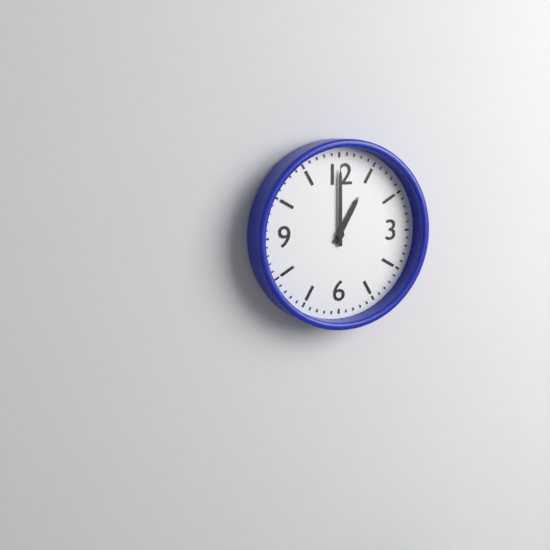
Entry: 1.00
